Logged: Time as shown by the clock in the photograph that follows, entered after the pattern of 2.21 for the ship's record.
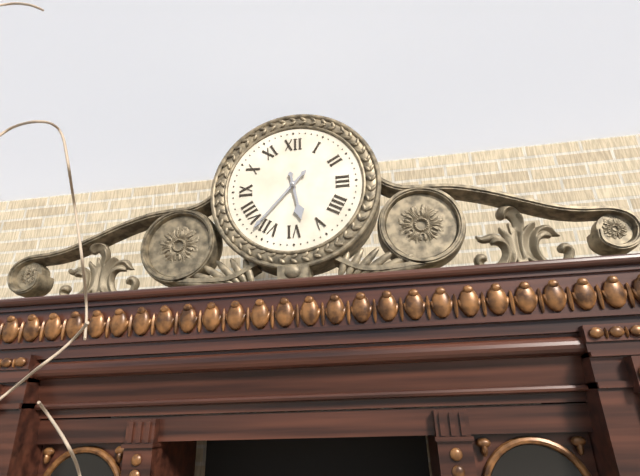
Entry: 5.37
